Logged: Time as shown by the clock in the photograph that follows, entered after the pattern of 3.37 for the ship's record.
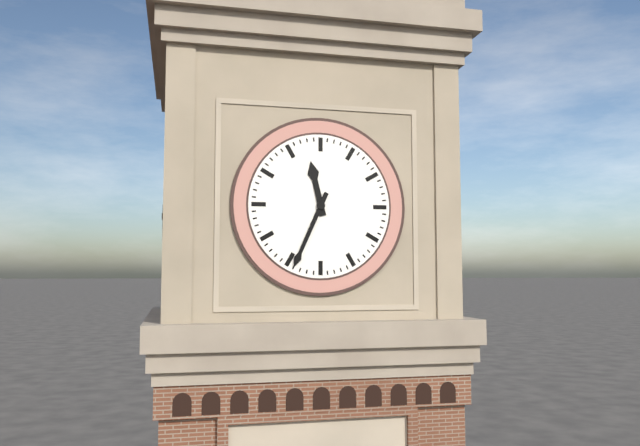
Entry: 11.34
